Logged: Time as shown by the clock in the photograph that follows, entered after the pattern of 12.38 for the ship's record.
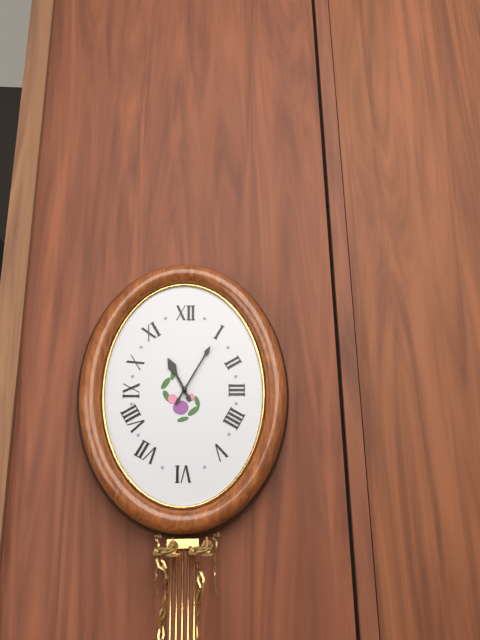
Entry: 11.05
